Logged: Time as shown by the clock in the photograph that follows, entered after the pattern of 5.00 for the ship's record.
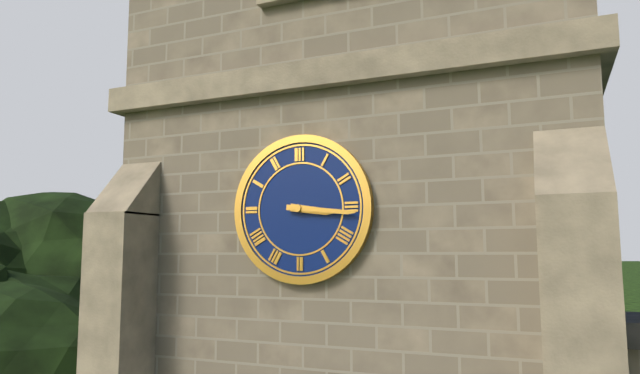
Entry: 3.16
